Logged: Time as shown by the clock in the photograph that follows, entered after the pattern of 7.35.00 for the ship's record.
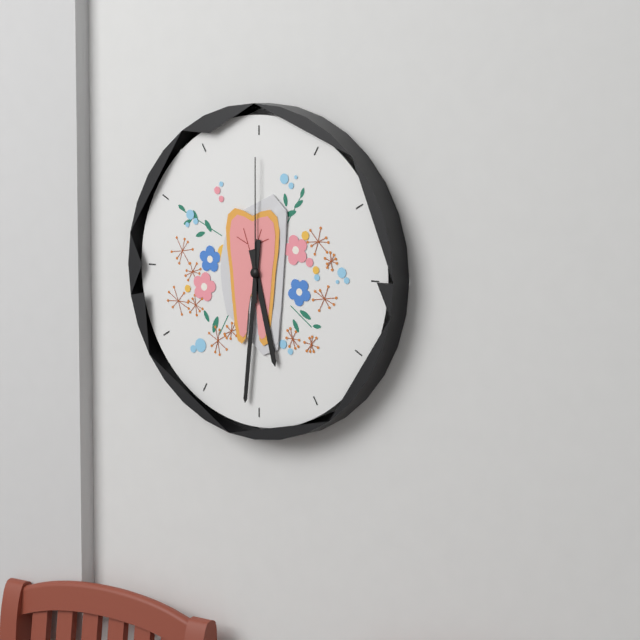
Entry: 5.31.00
